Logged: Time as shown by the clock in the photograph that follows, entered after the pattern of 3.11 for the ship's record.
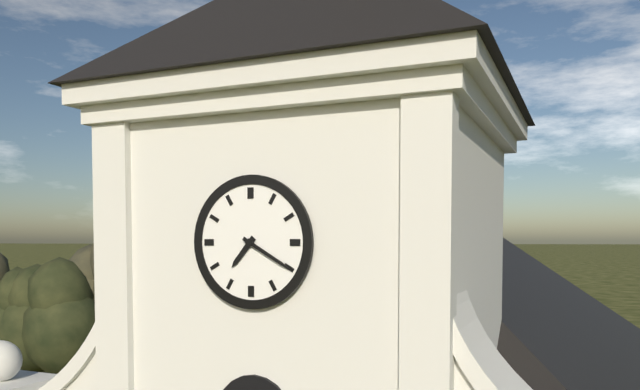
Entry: 7.20
